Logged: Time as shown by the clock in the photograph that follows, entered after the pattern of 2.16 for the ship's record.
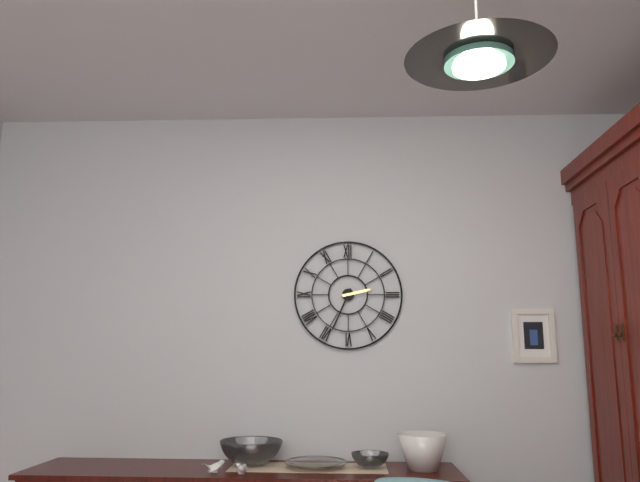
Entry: 2.34
